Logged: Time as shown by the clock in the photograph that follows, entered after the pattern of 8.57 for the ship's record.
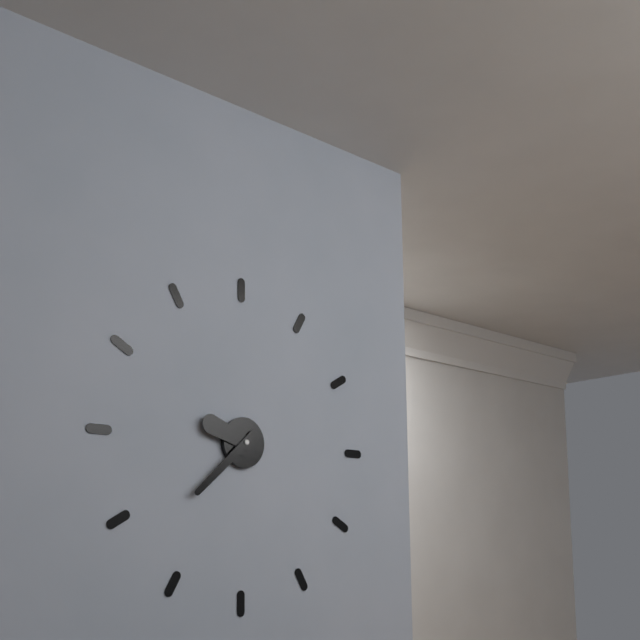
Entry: 9.38
